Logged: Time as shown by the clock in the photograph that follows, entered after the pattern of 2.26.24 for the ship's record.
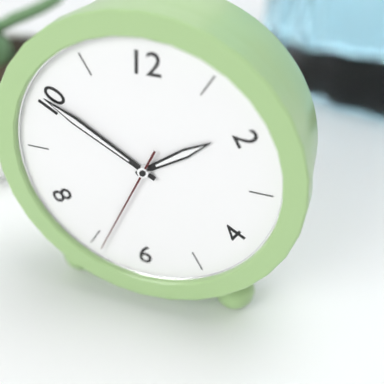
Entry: 1.50.34
